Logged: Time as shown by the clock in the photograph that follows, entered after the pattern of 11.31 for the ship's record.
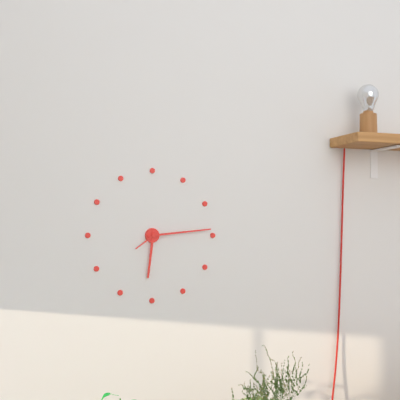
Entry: 6.14
